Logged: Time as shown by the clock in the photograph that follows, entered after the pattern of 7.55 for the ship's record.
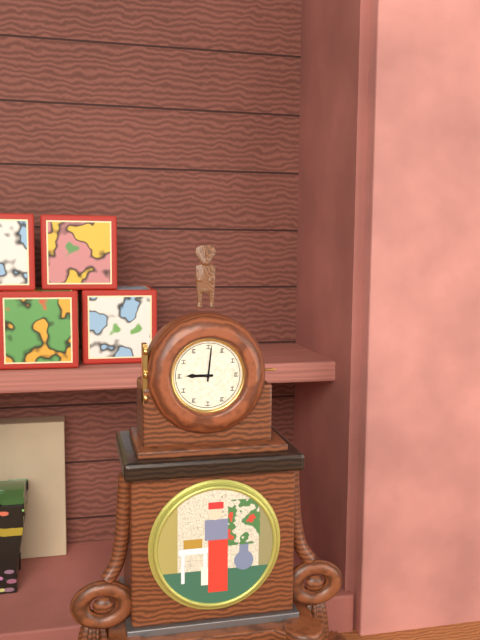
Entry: 9.01
